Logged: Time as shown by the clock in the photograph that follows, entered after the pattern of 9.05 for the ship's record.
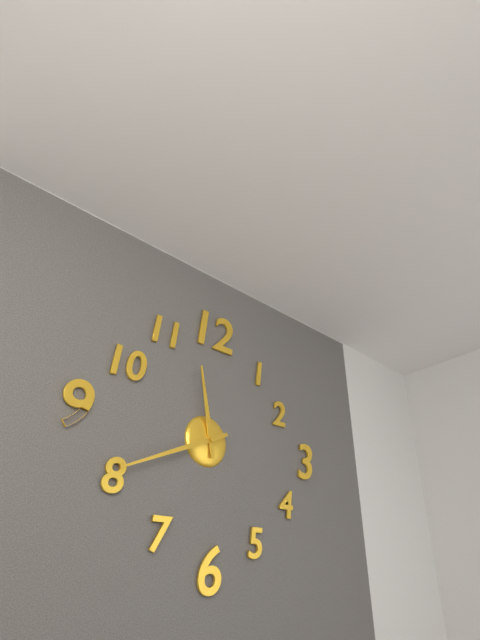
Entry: 11.41
